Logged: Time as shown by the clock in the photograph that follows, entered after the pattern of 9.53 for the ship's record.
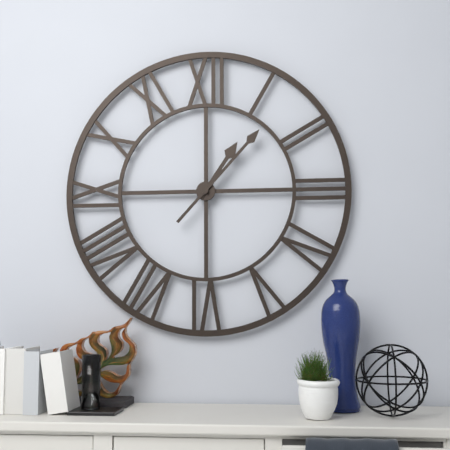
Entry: 1.07
